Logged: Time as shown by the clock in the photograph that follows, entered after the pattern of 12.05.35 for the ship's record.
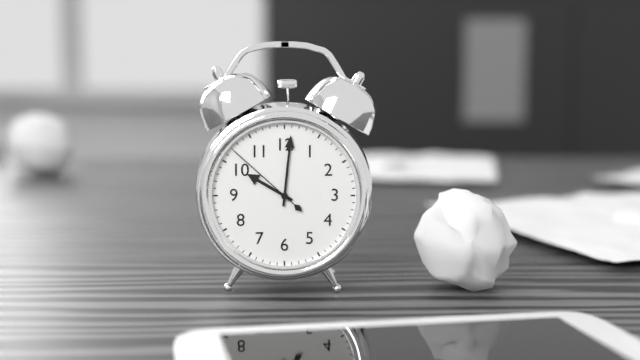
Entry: 10.01.52
